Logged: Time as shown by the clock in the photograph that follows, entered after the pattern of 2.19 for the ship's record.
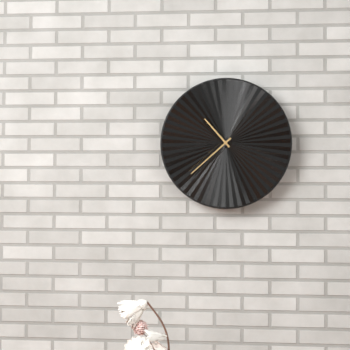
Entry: 10.38
